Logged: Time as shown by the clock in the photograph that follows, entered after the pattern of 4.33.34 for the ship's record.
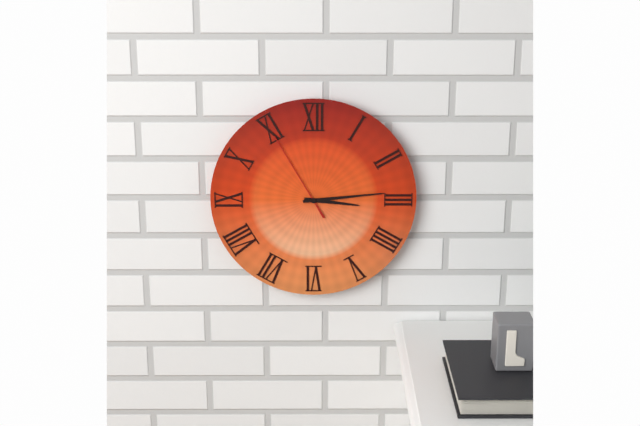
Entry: 3.14.55
